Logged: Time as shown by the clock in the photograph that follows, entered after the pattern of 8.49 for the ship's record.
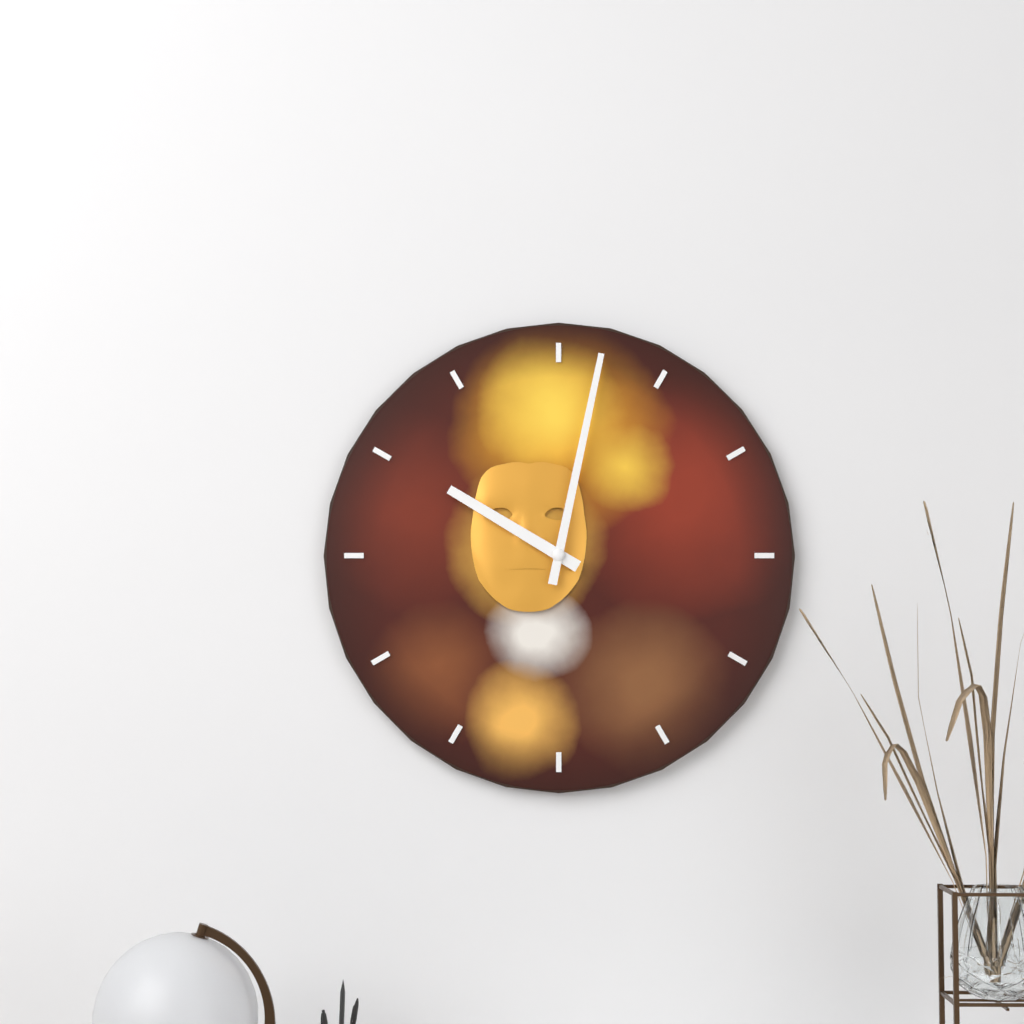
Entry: 10.02
